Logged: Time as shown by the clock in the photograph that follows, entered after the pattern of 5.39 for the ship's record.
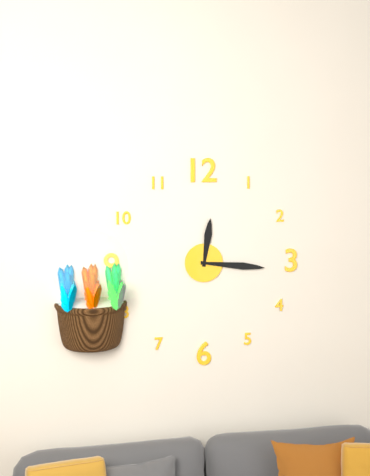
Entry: 12.16
